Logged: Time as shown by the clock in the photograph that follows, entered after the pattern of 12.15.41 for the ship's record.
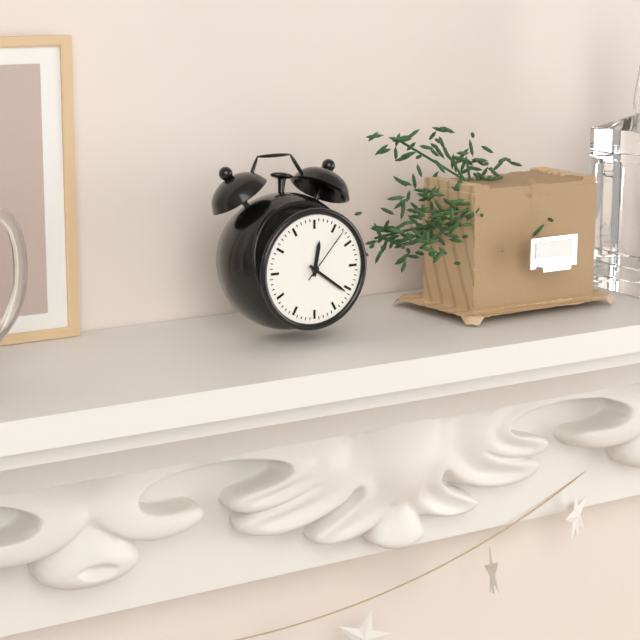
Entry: 12.21.07
